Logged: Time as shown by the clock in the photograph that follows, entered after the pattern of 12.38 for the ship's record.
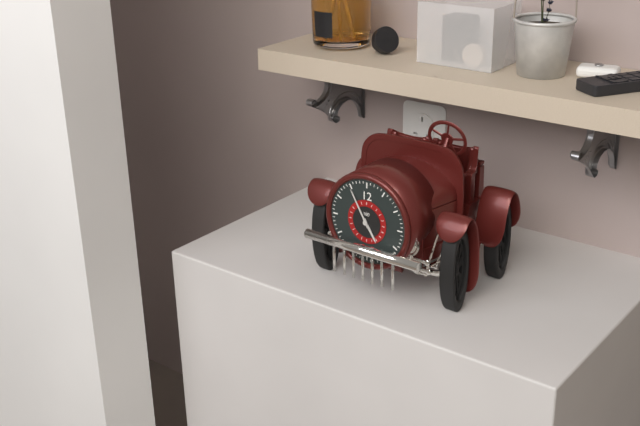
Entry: 4.55
